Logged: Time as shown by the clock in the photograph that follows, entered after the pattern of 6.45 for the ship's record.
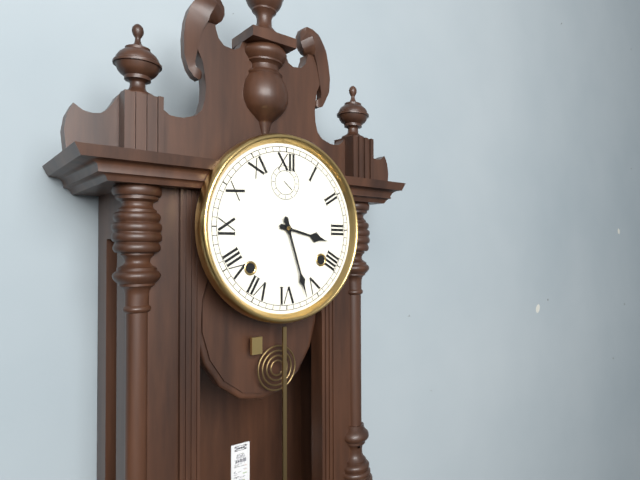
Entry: 3.27
